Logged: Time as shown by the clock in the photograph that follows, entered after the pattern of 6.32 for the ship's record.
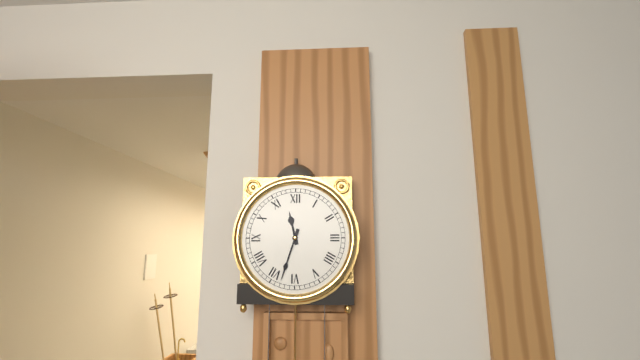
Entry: 11.33
